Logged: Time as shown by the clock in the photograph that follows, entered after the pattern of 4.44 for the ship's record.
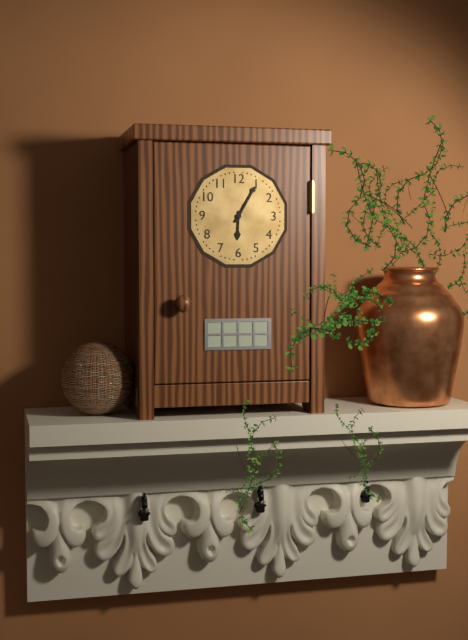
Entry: 6.05
